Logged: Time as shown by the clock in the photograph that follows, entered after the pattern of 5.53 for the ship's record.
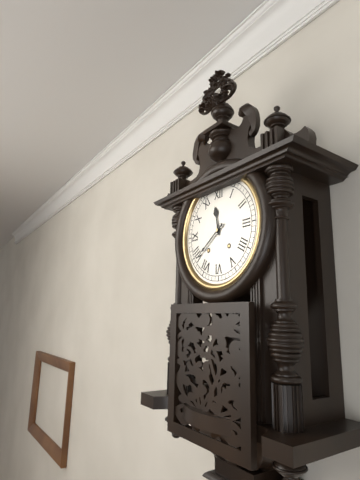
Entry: 11.39
